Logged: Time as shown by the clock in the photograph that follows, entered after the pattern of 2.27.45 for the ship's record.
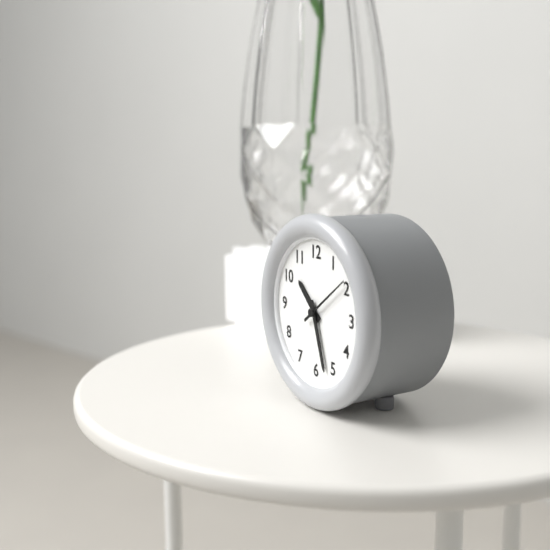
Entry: 10.27.09
